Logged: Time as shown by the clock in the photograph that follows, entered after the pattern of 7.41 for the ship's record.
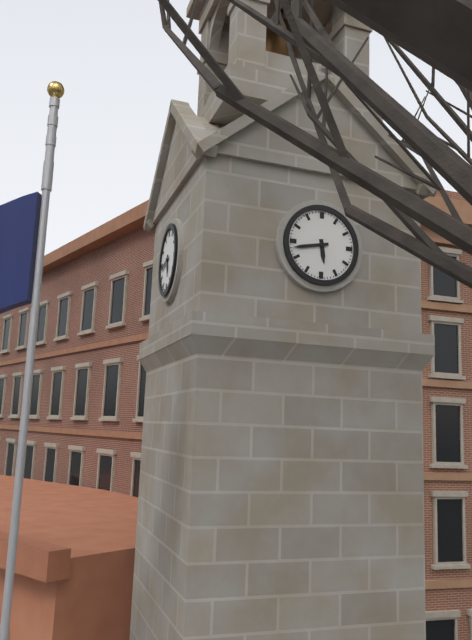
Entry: 5.43
